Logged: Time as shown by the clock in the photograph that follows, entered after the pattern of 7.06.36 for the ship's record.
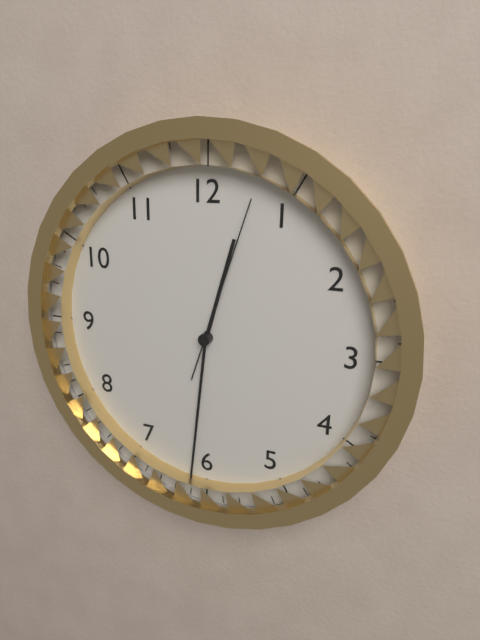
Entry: 12.31.03
